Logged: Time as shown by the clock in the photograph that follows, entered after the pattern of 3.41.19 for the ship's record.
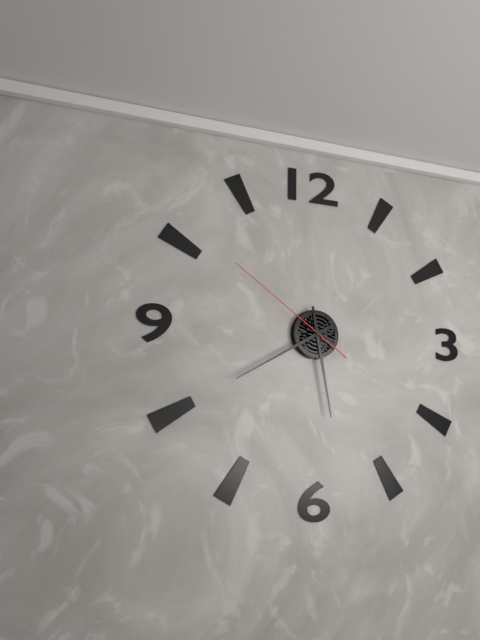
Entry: 5.40.51
